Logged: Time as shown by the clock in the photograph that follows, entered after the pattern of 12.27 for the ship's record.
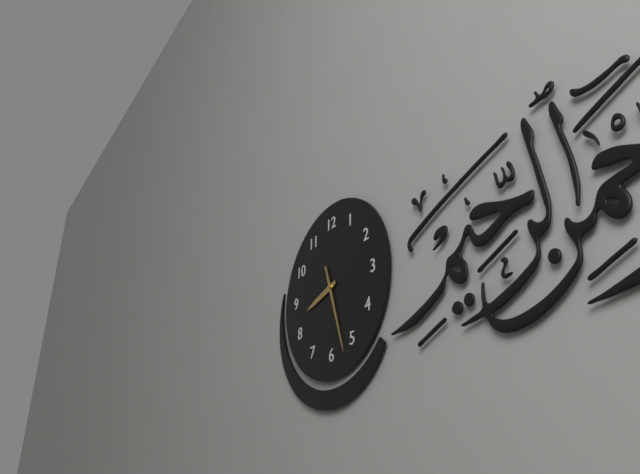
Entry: 8.27
